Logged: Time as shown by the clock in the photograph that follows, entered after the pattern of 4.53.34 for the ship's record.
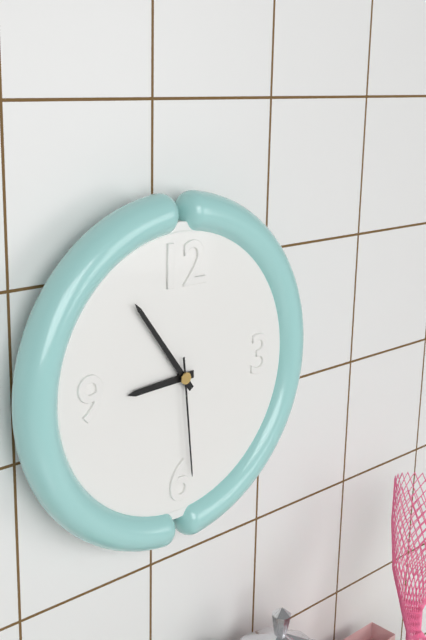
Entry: 8.54.29
